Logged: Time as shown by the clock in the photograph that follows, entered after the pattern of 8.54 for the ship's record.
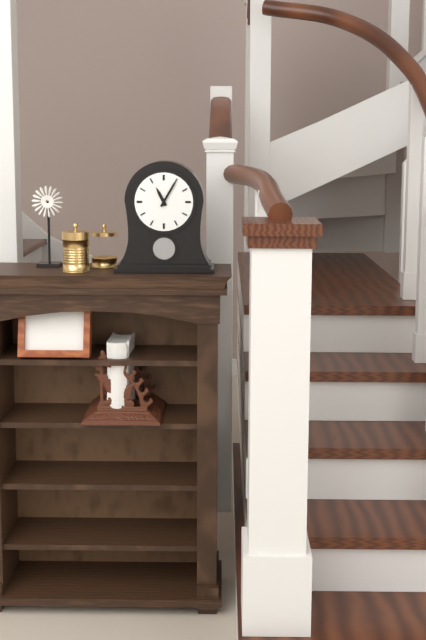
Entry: 11.05
